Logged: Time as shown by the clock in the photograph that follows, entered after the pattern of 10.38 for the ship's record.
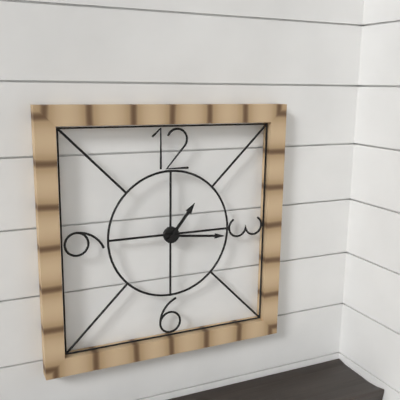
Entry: 1.16
